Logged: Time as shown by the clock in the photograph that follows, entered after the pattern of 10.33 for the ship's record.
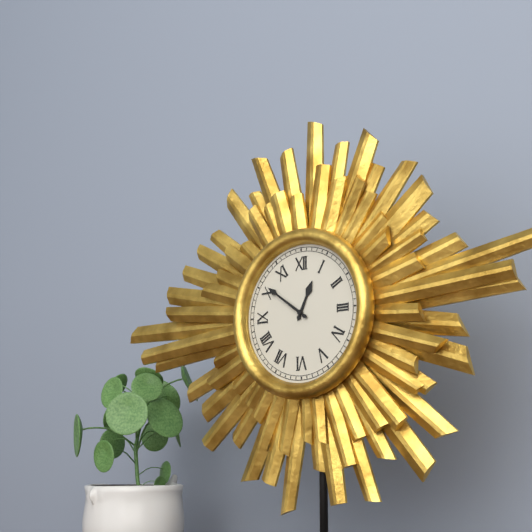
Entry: 12.51
